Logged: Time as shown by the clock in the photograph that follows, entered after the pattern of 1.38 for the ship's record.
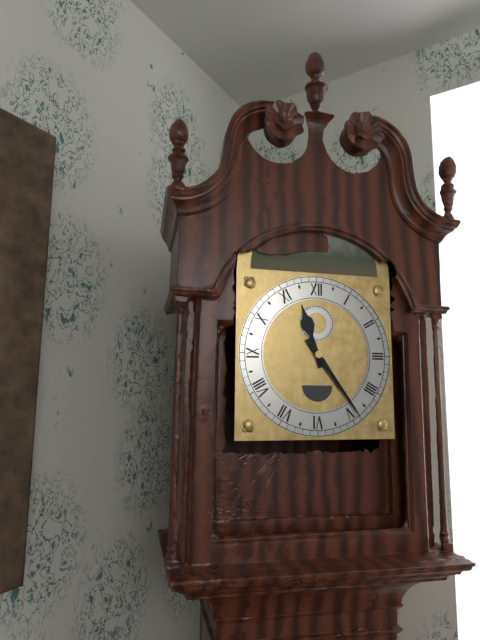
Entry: 11.24
